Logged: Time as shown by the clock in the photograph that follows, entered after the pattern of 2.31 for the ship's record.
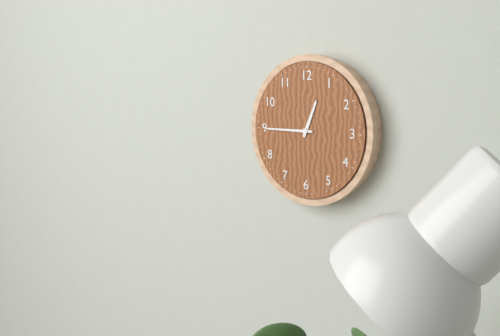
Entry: 12.45
